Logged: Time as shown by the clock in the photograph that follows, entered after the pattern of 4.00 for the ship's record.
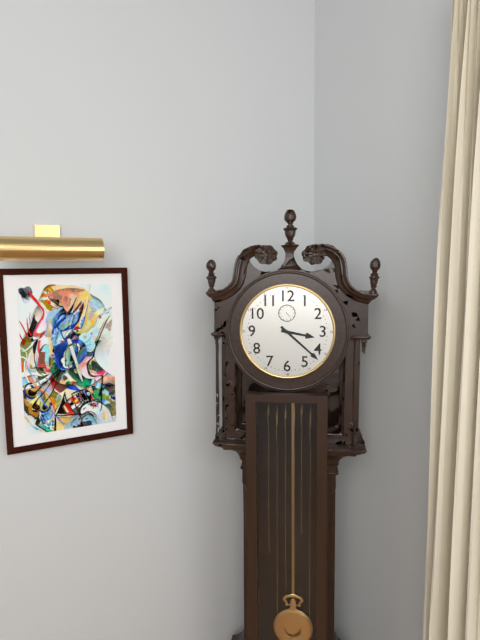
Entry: 3.22
